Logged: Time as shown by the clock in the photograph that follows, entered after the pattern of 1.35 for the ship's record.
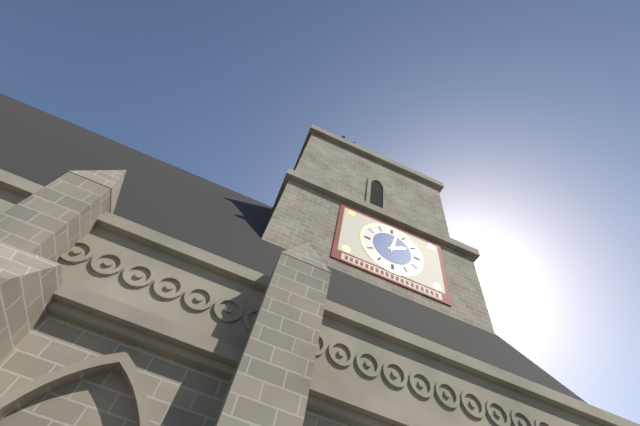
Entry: 2.02
